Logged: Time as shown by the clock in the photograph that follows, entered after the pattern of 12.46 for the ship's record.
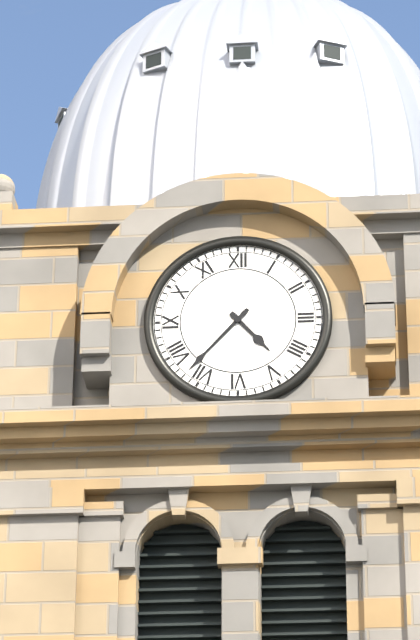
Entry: 4.37
